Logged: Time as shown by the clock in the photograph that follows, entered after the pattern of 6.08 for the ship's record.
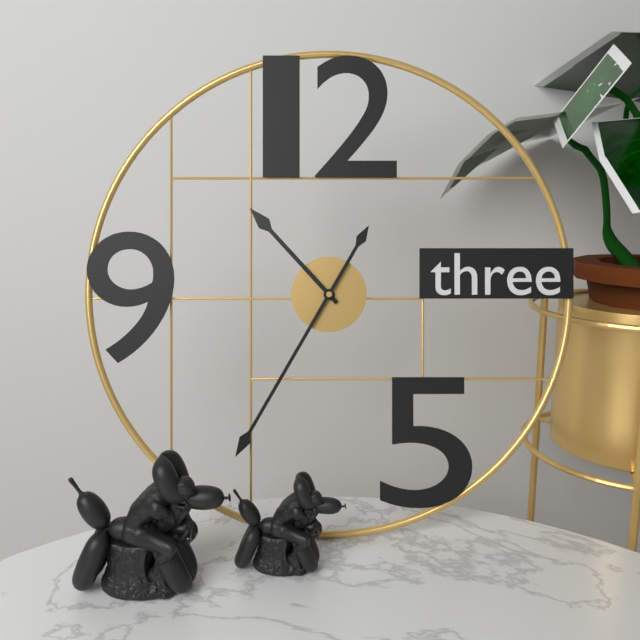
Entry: 10.35
